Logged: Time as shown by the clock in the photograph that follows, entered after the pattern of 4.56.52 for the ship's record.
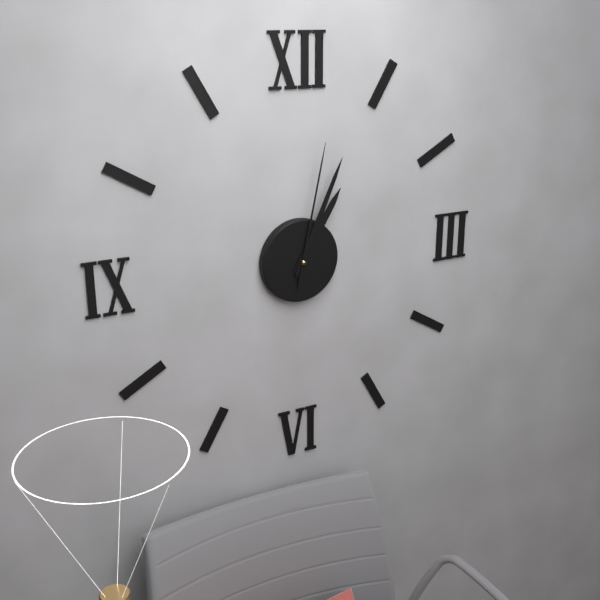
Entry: 1.04.02
